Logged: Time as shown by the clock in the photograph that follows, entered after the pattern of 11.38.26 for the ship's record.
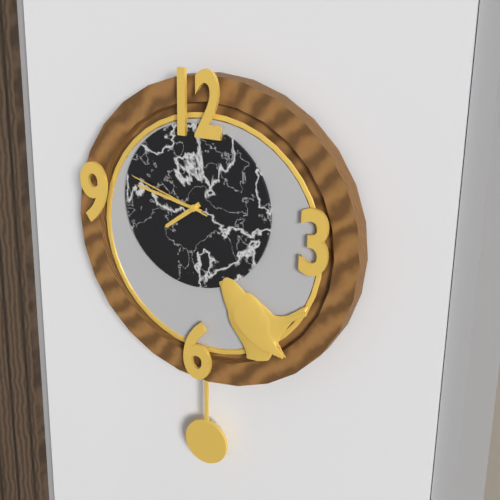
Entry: 7.47.48
